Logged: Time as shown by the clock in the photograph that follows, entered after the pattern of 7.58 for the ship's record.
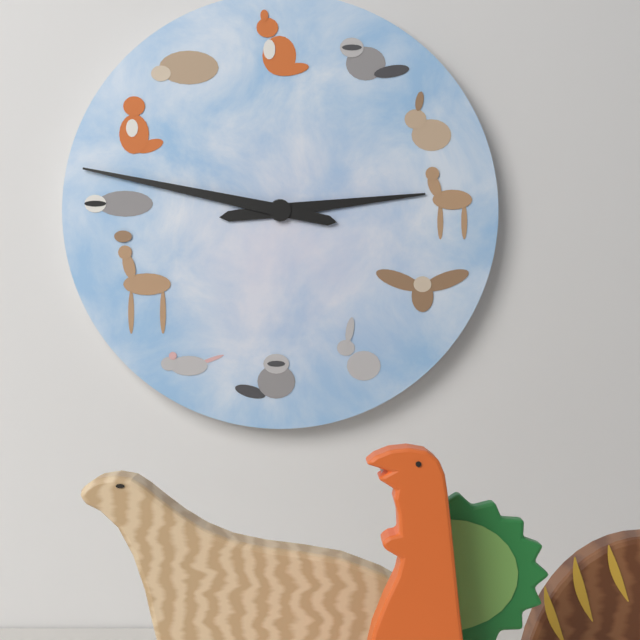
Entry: 2.47
